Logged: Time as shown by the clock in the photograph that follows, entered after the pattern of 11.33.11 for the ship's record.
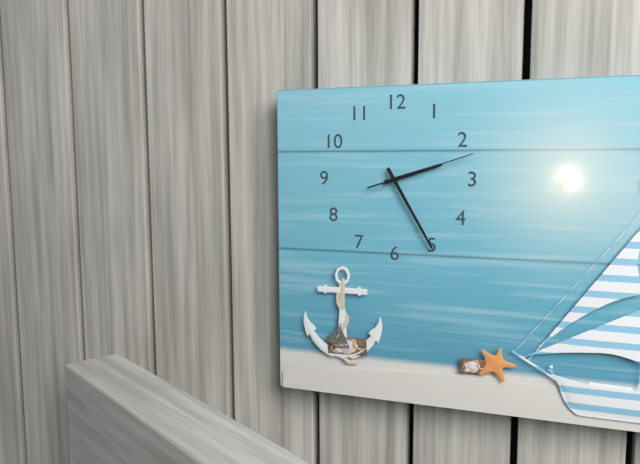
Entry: 2.25.12
